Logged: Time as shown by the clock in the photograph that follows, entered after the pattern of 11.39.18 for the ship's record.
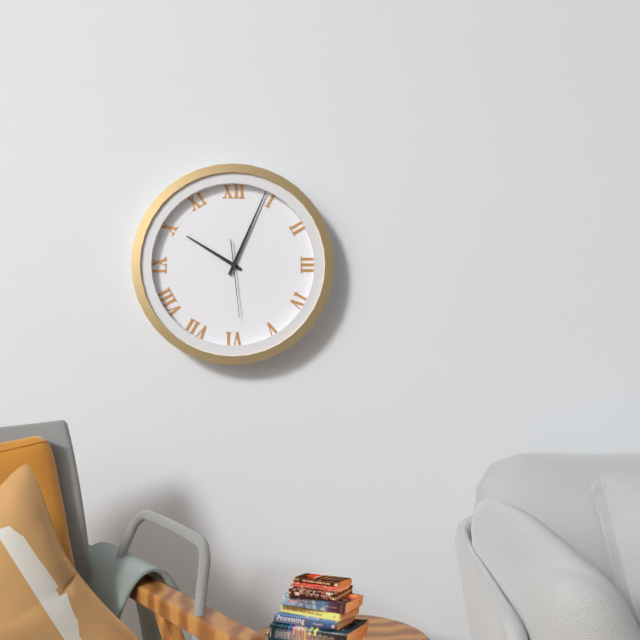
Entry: 10.04.29
